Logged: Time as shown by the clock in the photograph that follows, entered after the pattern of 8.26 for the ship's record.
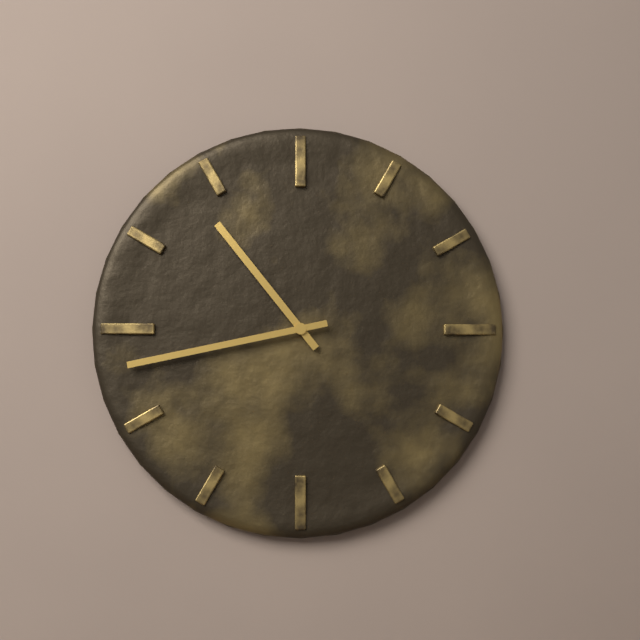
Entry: 10.43
